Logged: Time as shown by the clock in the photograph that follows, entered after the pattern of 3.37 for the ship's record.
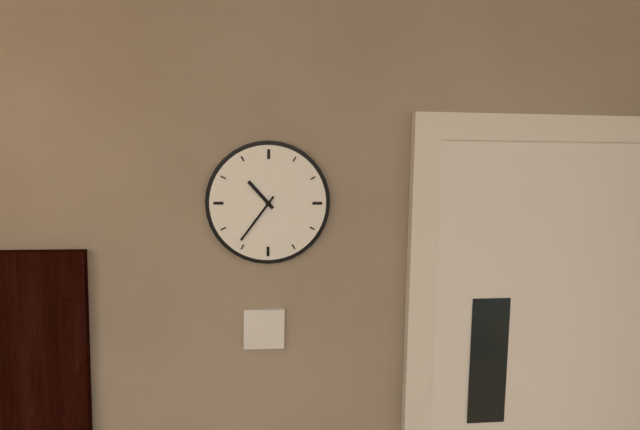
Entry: 10.36
